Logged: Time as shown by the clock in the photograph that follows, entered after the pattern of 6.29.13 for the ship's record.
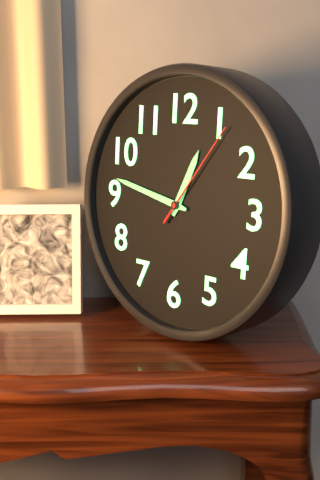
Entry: 12.47.06
